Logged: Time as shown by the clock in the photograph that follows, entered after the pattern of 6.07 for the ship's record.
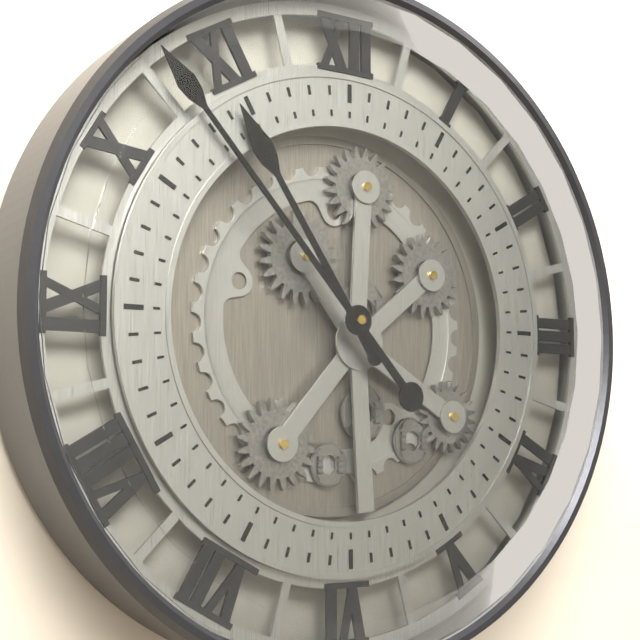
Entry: 10.53
